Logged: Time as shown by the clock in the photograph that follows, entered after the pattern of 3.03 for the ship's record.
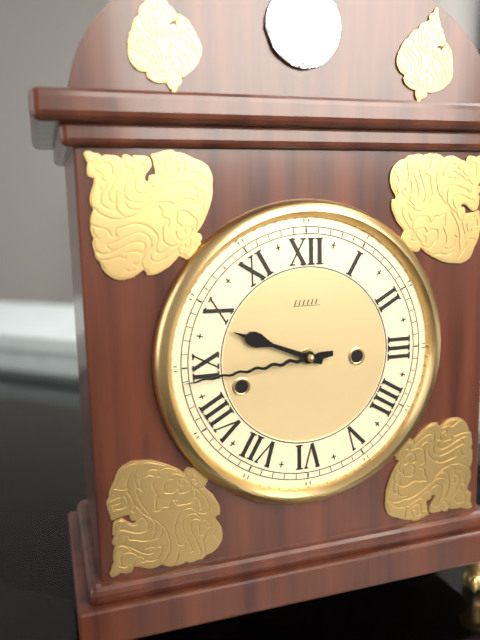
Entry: 9.44
